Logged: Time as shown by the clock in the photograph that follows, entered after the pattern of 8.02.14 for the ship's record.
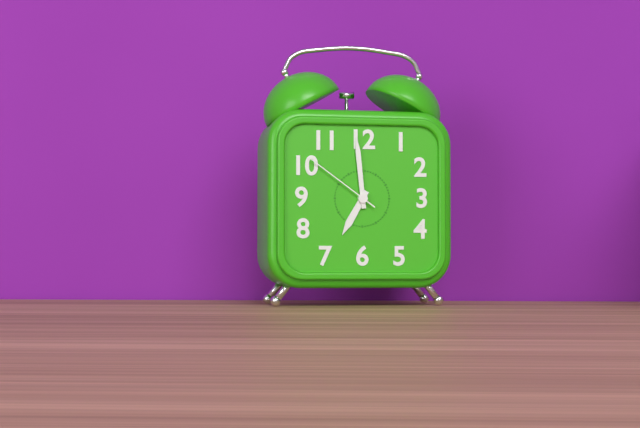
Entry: 6.59.51
